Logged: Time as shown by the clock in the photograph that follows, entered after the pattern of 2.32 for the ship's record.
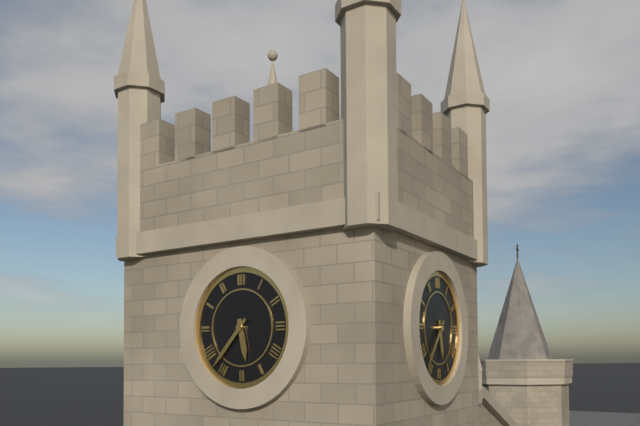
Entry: 5.37
